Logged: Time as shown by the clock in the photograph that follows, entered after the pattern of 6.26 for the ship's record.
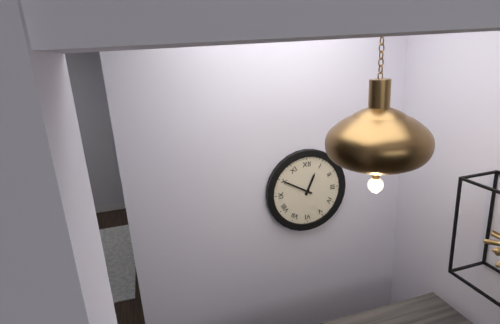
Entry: 12.50
